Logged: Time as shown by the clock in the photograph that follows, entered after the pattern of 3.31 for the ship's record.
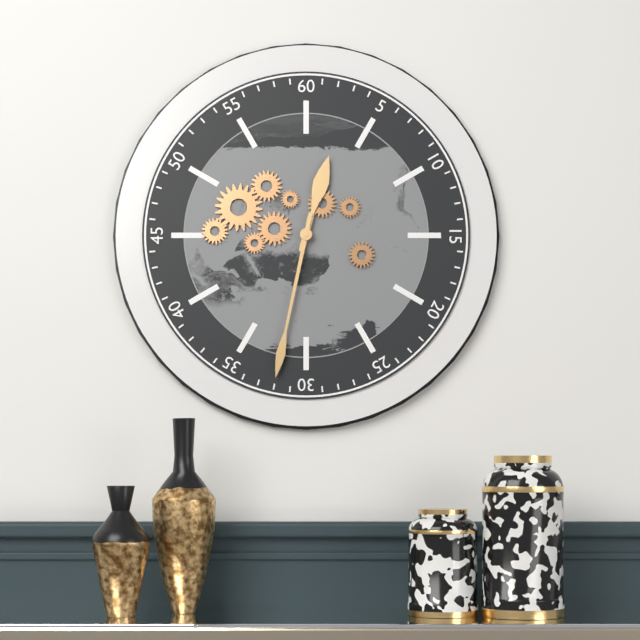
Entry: 12.32
